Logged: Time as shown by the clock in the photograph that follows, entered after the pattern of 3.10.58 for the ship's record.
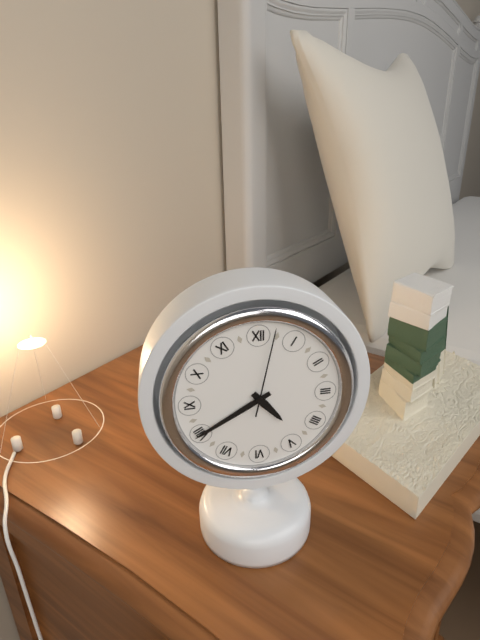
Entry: 4.40.02
